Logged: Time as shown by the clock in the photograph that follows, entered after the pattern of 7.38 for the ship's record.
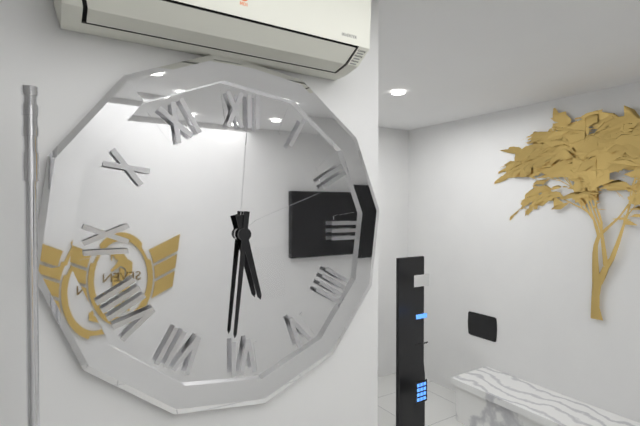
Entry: 5.31
